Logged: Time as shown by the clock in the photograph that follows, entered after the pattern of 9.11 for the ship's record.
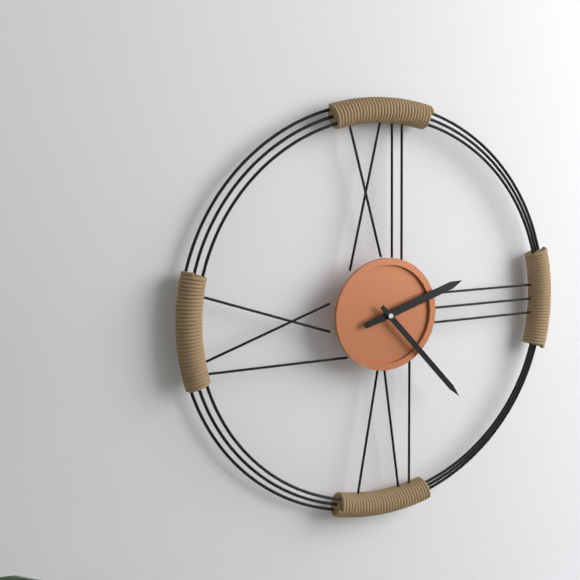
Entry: 2.23
